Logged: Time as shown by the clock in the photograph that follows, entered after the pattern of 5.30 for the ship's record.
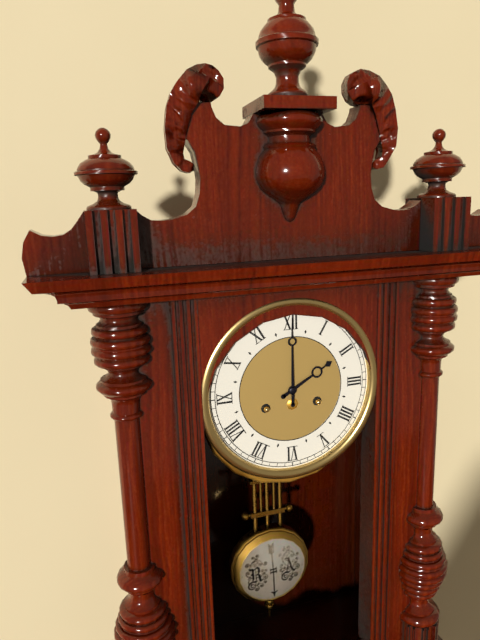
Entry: 2.00
